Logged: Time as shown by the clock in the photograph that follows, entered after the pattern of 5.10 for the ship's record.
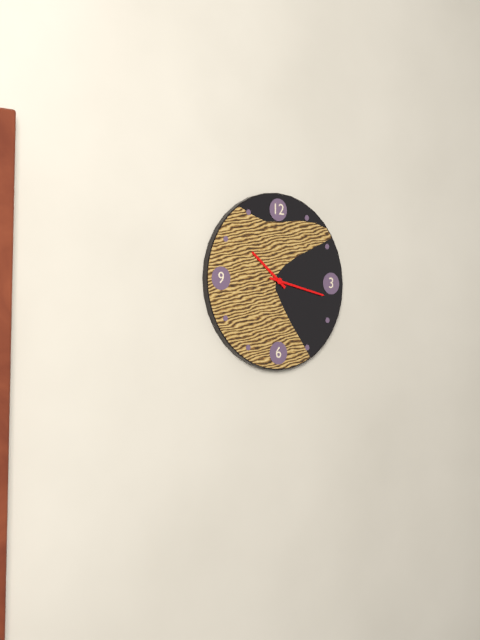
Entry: 10.17
